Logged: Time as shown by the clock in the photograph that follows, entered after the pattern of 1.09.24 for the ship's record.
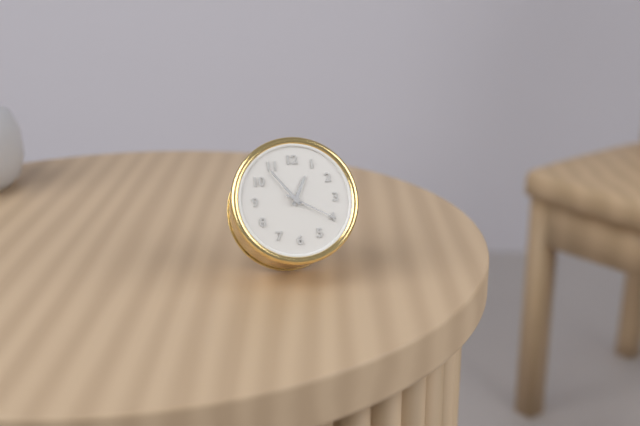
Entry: 12.54.20
